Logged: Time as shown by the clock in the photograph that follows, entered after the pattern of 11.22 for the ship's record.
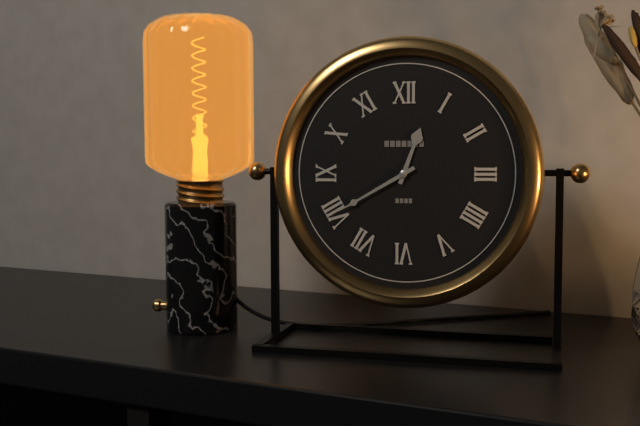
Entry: 12.40
